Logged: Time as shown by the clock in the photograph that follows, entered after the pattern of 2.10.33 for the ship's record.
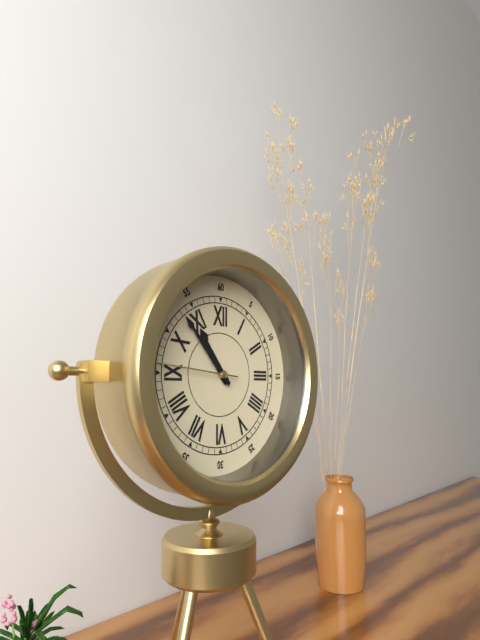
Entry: 10.53.46
